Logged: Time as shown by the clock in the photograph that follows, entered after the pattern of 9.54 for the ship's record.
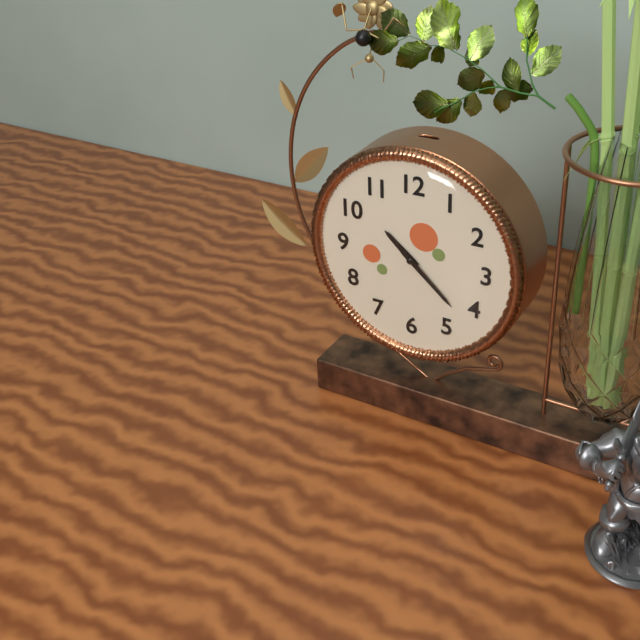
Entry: 10.22
